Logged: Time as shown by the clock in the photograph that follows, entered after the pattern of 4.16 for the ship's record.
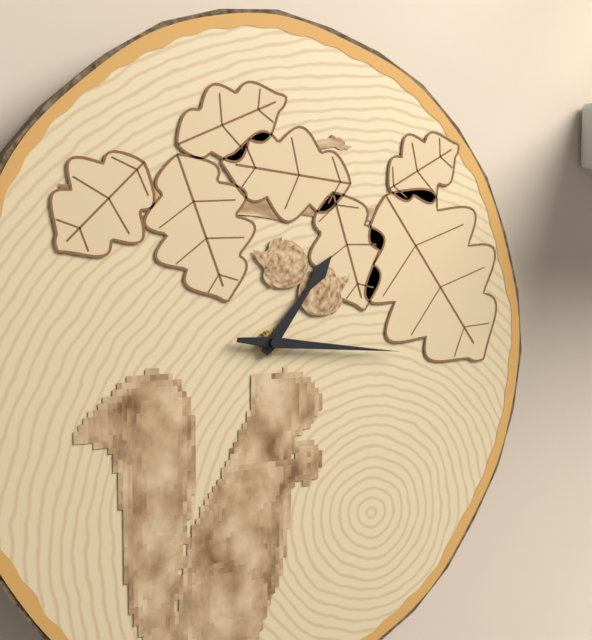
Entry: 1.16
